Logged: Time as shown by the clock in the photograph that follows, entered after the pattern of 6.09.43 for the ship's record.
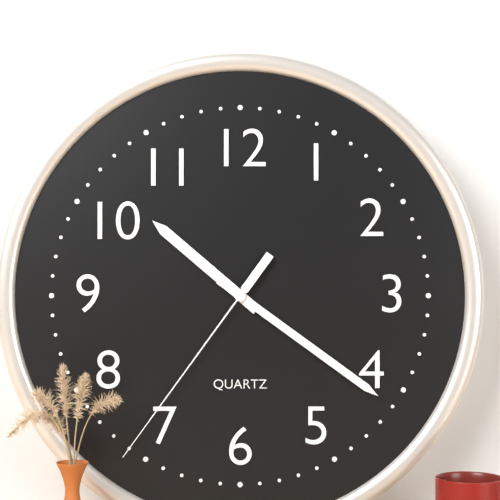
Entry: 10.21.36
